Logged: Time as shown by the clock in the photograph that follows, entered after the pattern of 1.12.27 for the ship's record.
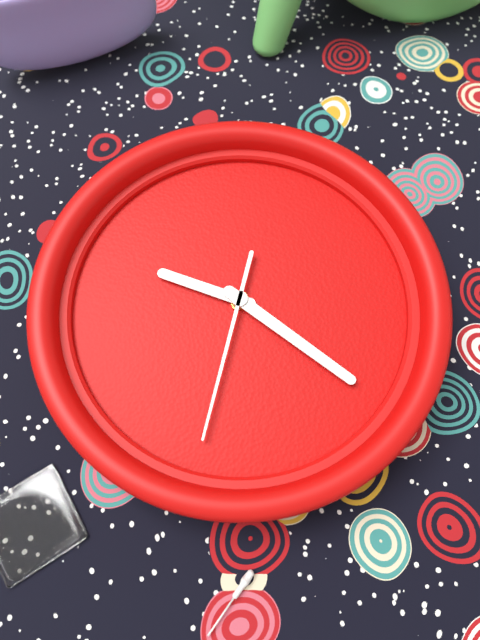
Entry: 10.25.36
